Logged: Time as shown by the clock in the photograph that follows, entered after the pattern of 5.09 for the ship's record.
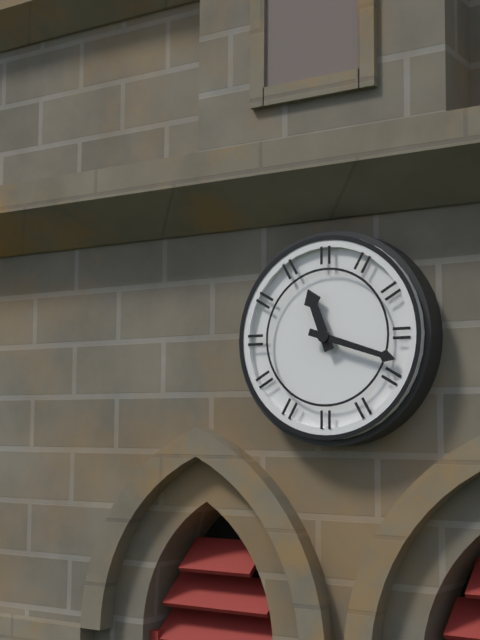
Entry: 11.18
